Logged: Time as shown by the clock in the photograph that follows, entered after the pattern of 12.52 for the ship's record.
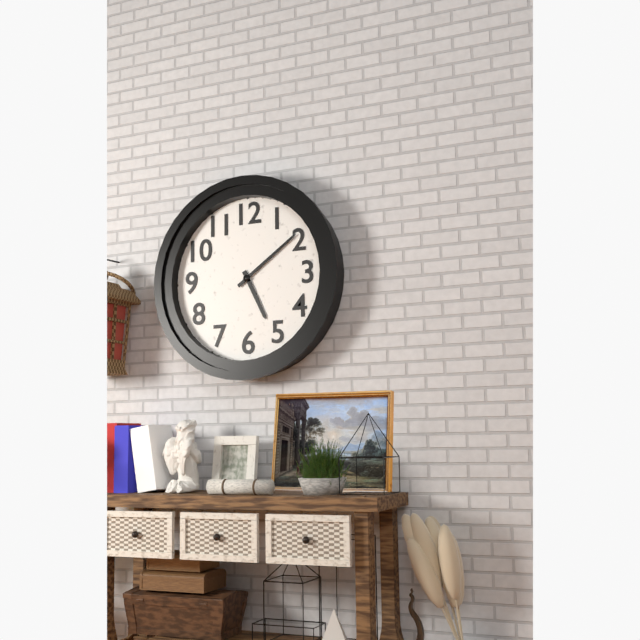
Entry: 5.09
